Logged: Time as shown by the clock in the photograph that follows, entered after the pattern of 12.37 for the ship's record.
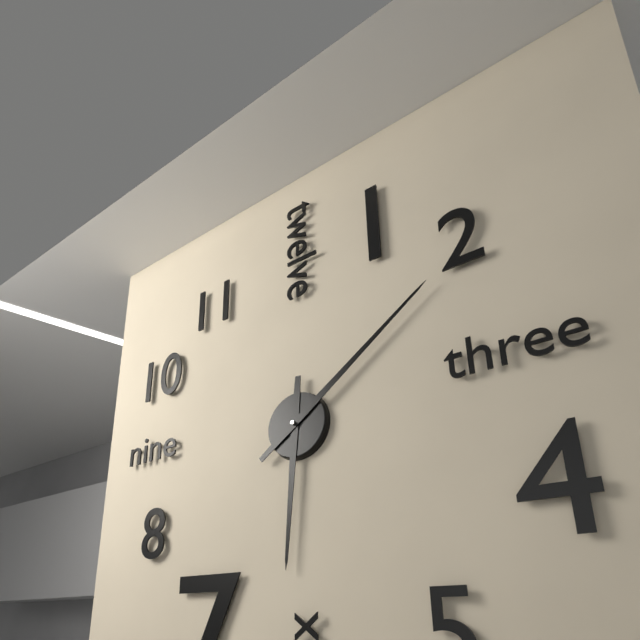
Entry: 6.09
